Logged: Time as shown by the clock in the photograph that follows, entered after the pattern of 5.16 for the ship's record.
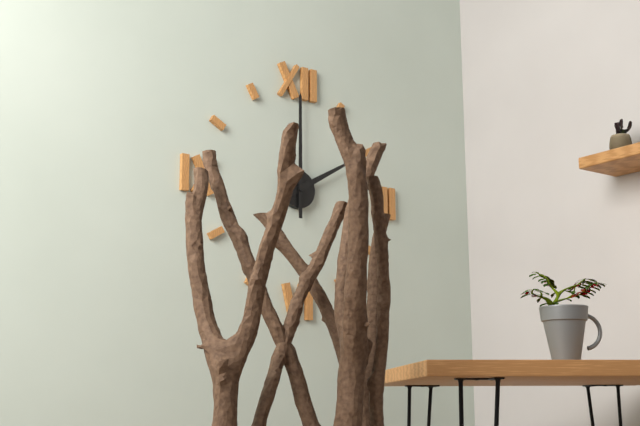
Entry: 2.00
